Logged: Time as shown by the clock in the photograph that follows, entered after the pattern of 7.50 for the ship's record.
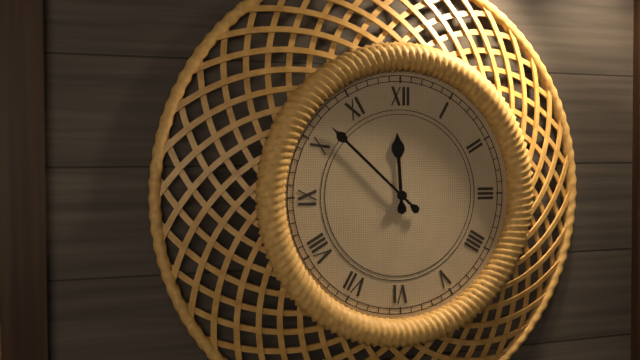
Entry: 11.52
